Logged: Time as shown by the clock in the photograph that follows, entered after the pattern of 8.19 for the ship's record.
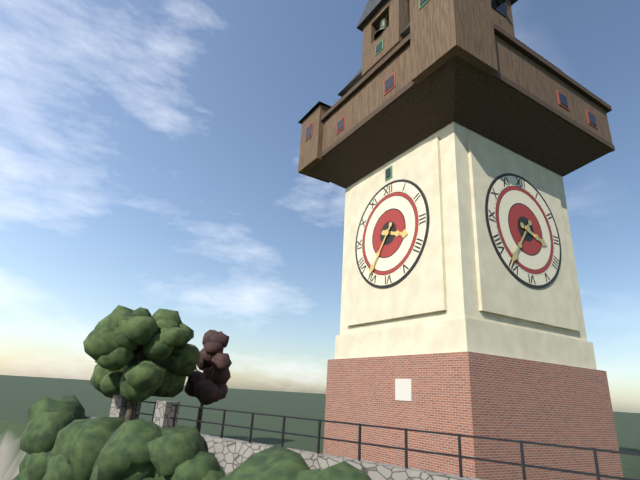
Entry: 3.36
